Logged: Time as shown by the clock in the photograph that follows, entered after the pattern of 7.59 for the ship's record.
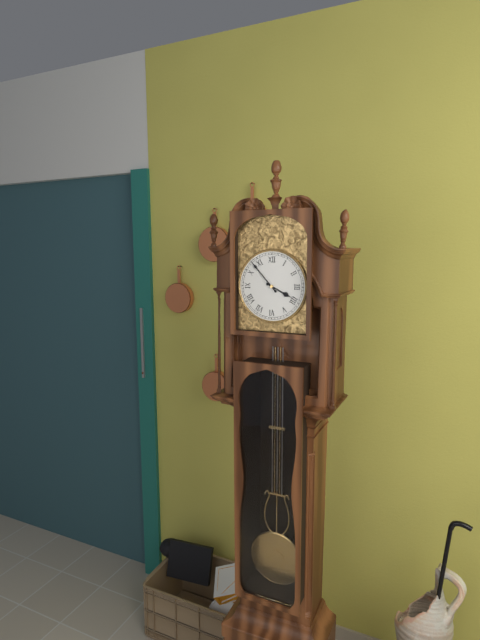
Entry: 3.53
